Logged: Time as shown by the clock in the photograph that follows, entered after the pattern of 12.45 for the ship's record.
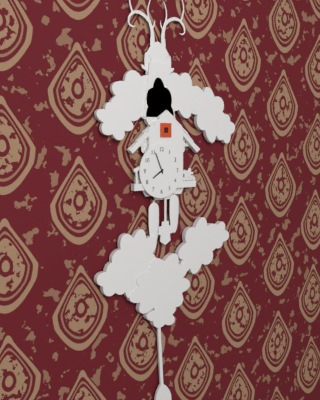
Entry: 7.56
